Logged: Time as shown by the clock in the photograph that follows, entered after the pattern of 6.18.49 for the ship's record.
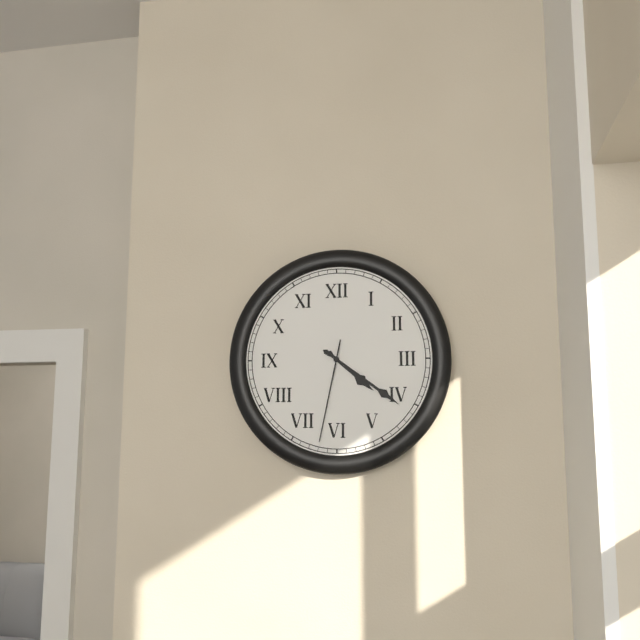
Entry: 4.21.32
